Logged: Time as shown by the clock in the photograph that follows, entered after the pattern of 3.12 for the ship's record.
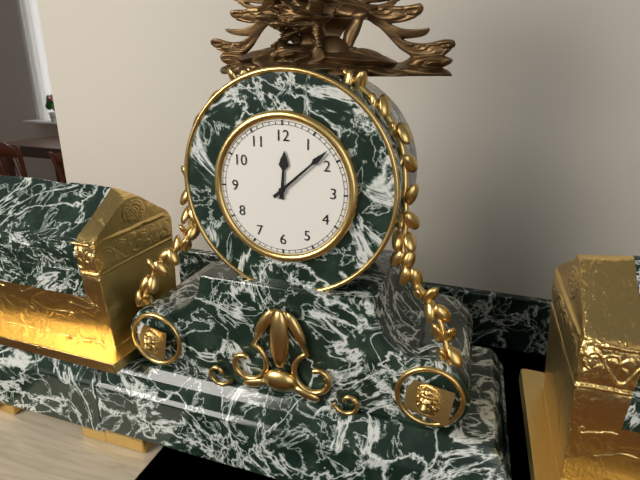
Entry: 12.08
